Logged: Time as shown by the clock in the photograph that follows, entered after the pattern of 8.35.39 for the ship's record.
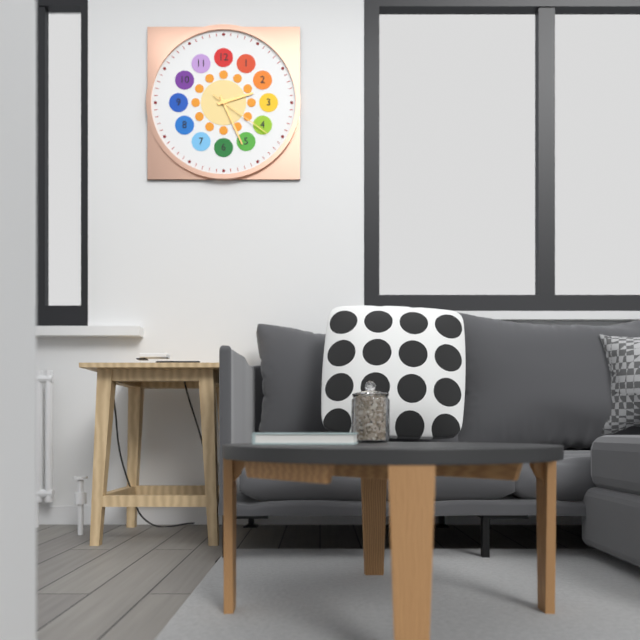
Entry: 2.26.21
